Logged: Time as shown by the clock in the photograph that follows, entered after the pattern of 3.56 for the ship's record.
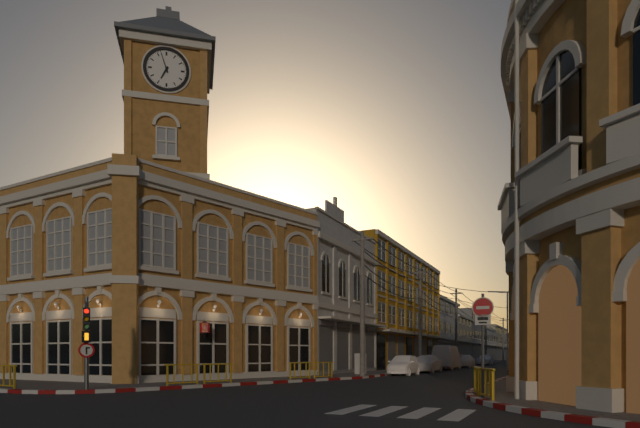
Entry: 6.57
